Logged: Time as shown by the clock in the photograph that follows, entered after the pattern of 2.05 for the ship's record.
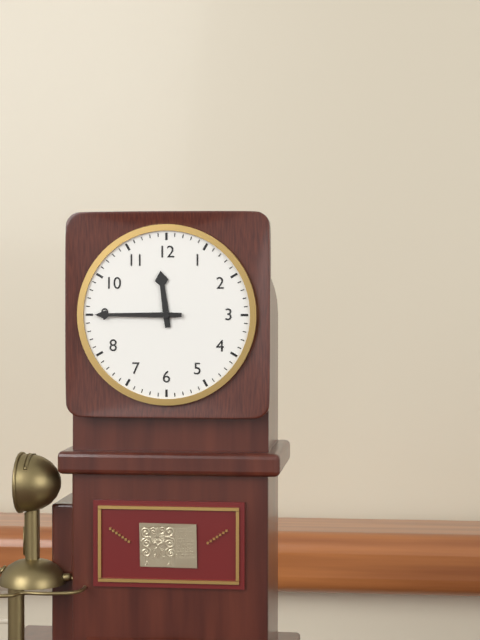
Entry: 11.45
